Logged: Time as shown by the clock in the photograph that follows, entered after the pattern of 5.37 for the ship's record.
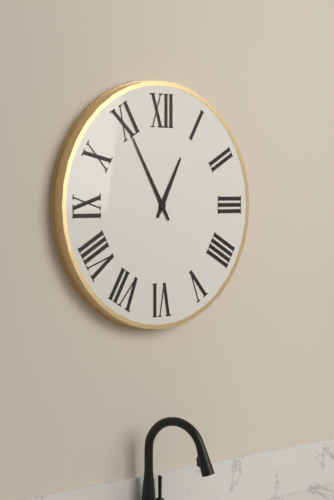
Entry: 12.55
